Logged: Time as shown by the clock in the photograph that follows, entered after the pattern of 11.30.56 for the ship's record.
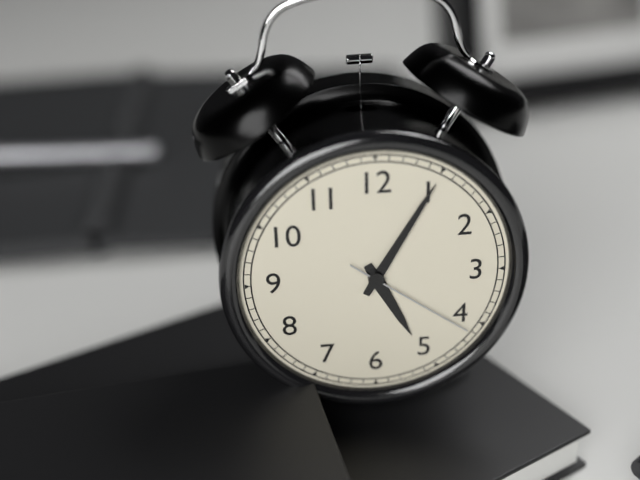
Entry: 5.05.21
